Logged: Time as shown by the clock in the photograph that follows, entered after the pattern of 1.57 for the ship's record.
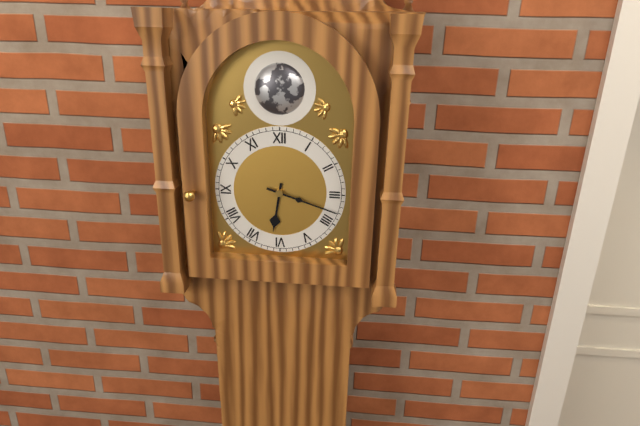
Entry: 6.18
